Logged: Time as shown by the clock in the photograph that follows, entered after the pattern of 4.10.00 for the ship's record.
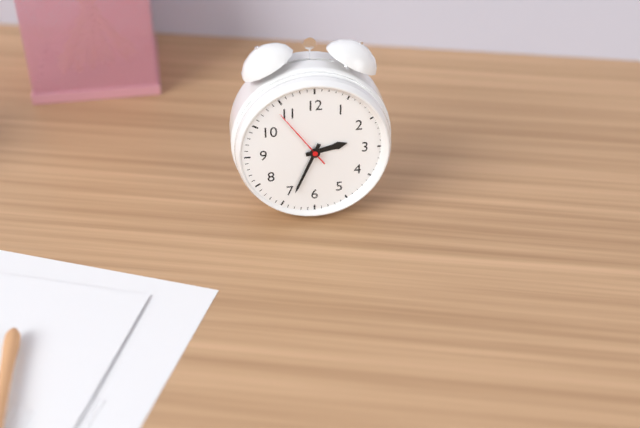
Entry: 2.34.54
